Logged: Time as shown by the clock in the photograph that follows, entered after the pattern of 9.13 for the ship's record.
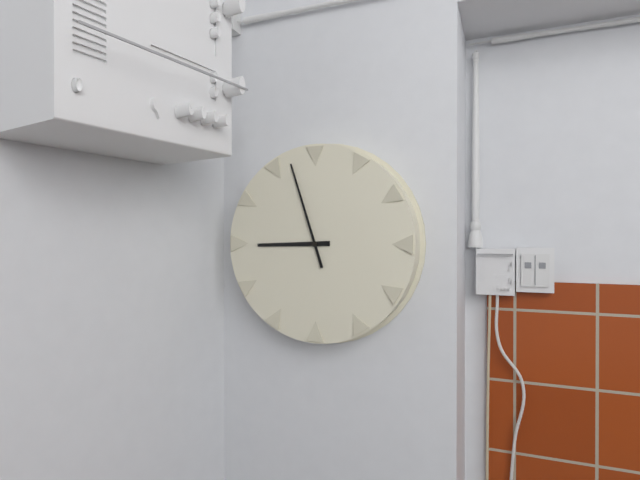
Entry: 8.57
